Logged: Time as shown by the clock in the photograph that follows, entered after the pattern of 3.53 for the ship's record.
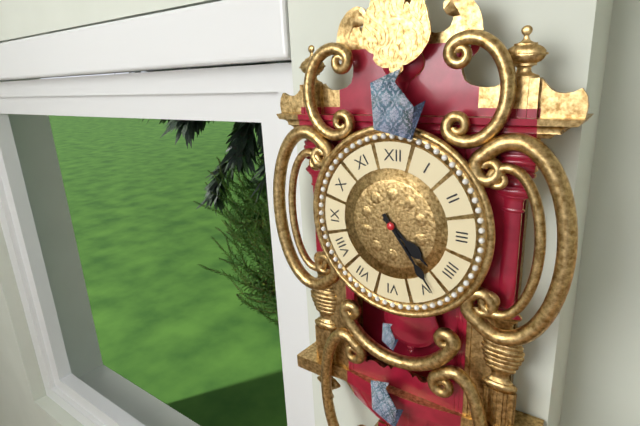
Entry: 4.24
